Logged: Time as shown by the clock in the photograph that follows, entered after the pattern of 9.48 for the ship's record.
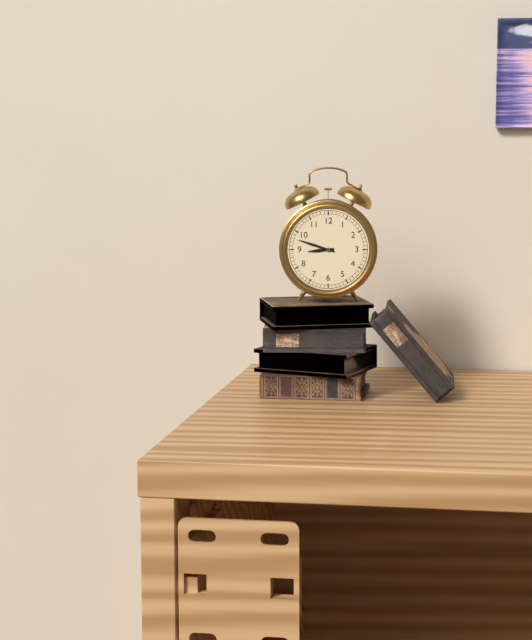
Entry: 8.48
